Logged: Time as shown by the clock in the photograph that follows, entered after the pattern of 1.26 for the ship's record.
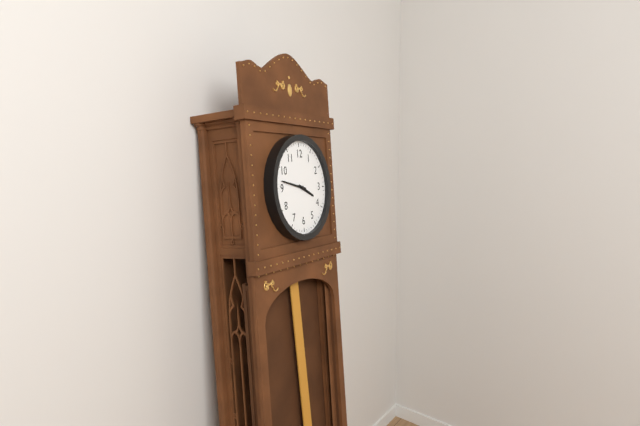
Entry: 3.47
